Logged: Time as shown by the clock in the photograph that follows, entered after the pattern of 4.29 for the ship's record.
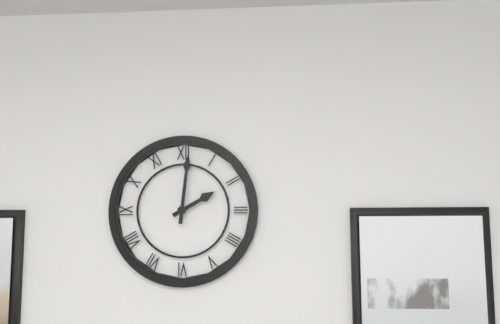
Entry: 2.01
